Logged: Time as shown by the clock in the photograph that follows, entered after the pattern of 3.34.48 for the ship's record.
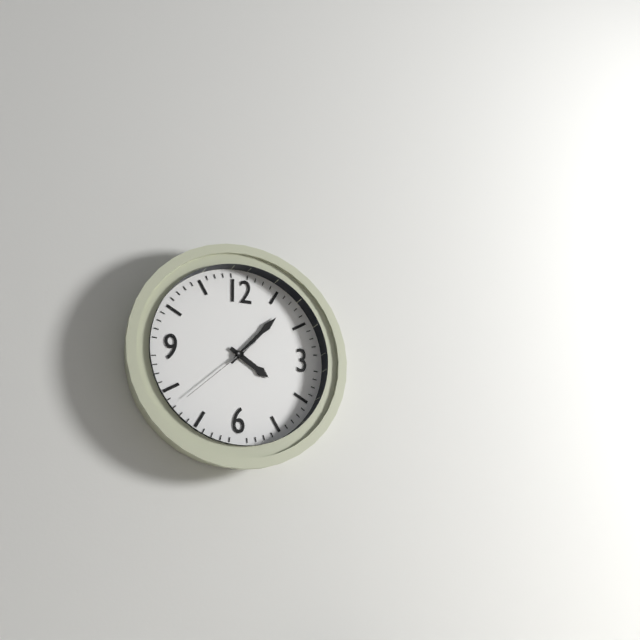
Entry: 4.07.38
